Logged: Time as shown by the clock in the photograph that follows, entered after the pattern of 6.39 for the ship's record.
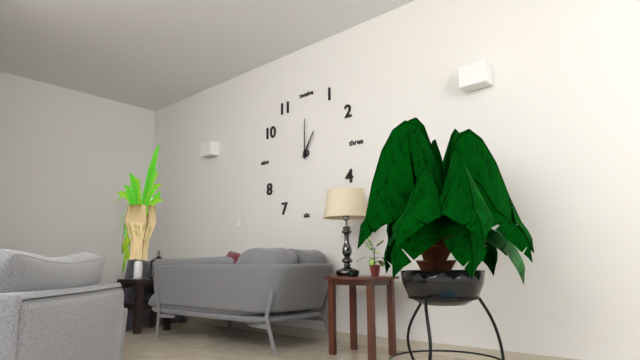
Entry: 1.00
